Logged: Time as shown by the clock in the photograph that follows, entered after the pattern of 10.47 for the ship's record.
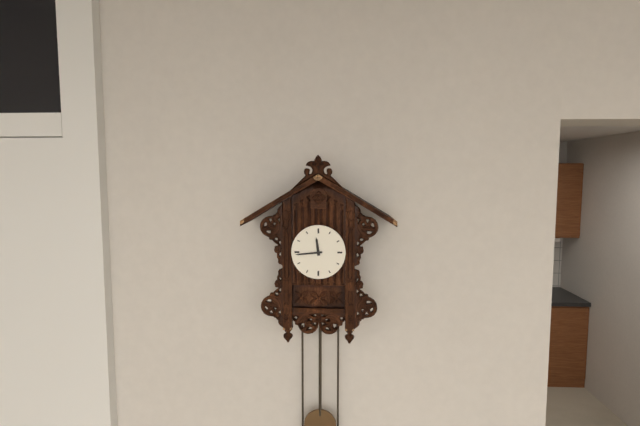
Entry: 11.44
